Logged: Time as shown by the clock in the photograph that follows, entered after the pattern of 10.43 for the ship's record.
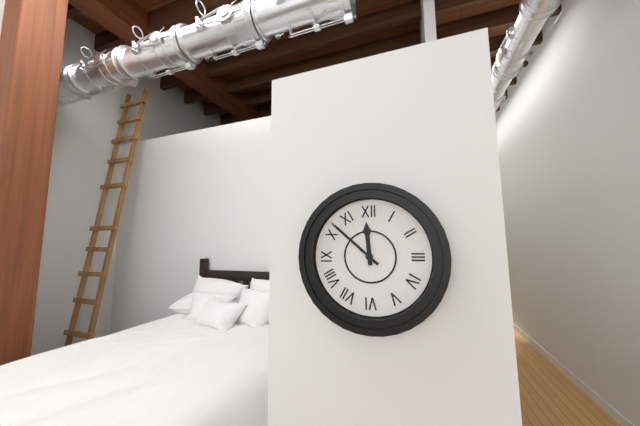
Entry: 11.52
